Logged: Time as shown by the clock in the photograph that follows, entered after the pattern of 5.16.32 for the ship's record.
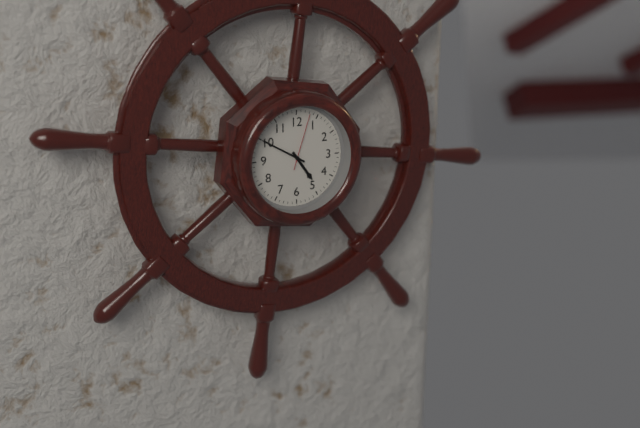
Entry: 4.50.03
